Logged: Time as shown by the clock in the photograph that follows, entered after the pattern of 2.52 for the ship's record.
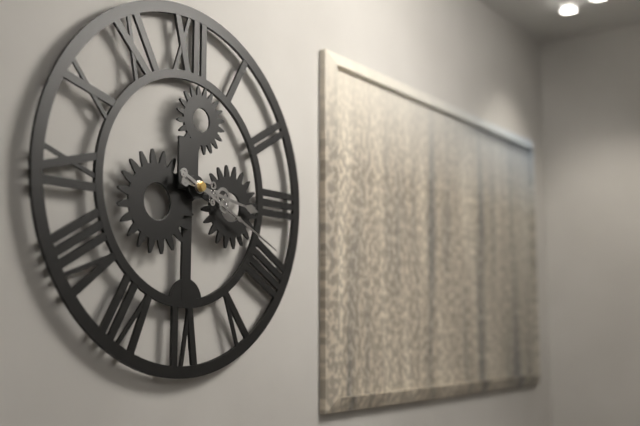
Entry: 3.19
